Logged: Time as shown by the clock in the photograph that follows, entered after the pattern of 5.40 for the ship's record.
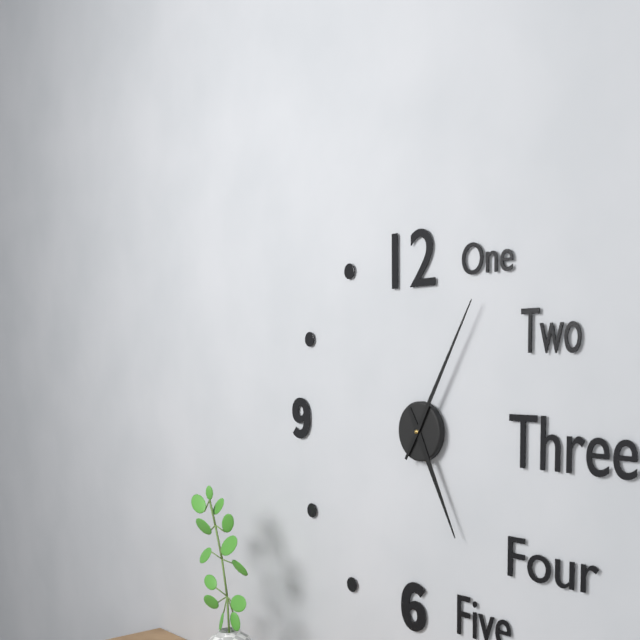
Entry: 5.05
